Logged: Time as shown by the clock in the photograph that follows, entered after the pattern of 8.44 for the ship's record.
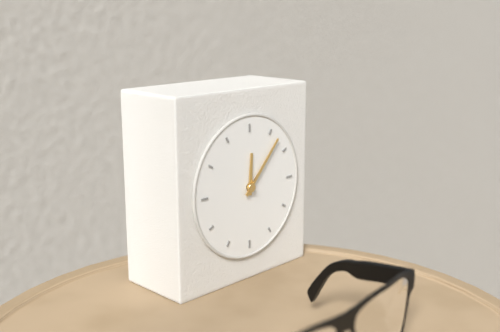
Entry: 12.07
